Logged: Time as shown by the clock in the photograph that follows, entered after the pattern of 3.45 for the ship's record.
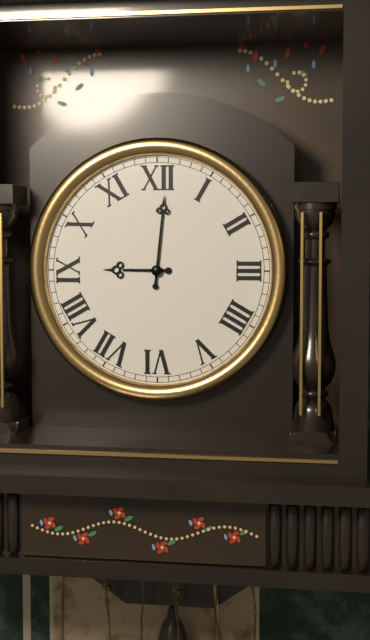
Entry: 9.01
